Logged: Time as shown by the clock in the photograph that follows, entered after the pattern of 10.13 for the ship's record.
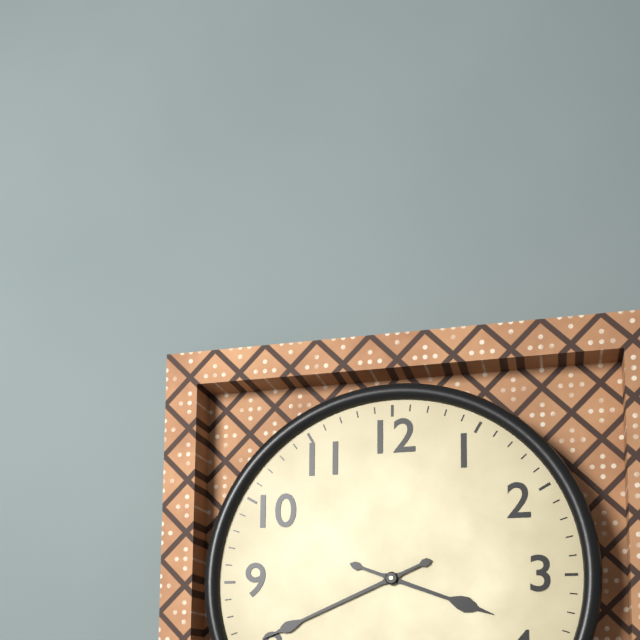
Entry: 3.41
